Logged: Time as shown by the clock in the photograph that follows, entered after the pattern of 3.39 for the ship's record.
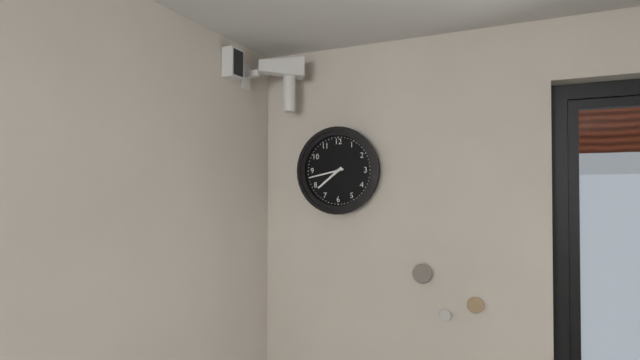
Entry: 7.43
